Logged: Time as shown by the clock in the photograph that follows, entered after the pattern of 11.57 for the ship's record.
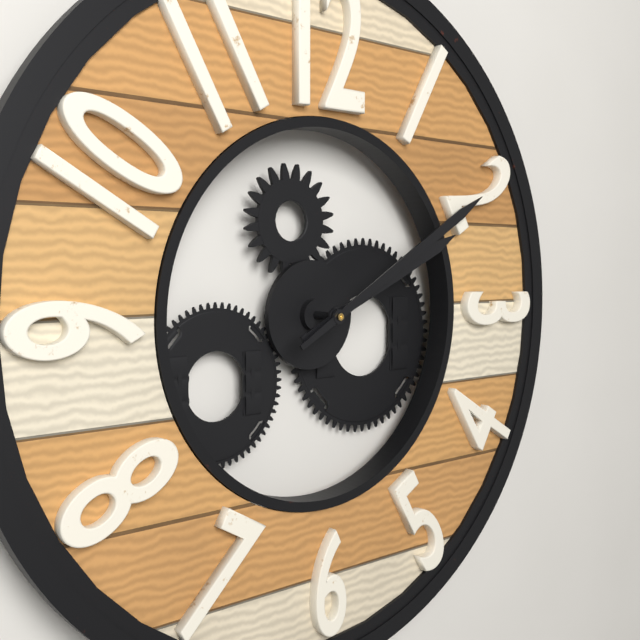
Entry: 2.10
